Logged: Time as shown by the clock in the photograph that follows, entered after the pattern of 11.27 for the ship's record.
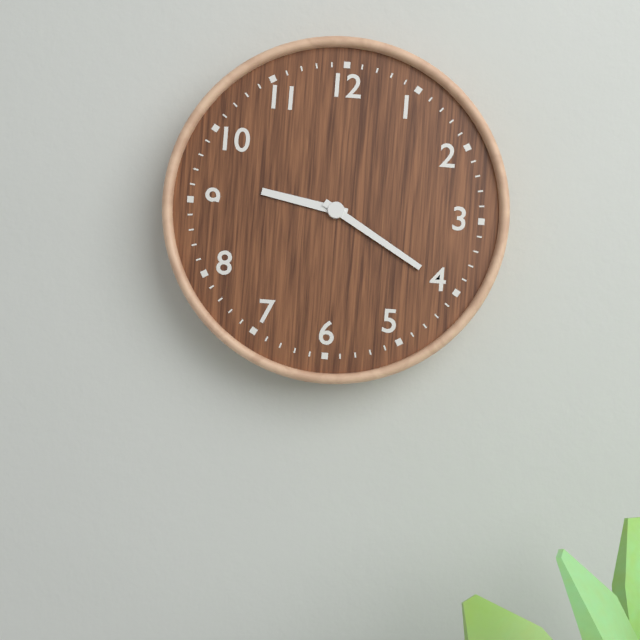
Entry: 9.20
